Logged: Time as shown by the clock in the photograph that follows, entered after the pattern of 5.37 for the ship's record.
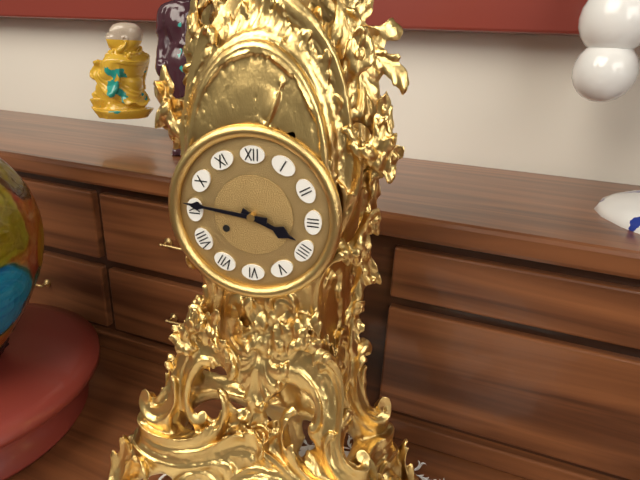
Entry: 3.46
